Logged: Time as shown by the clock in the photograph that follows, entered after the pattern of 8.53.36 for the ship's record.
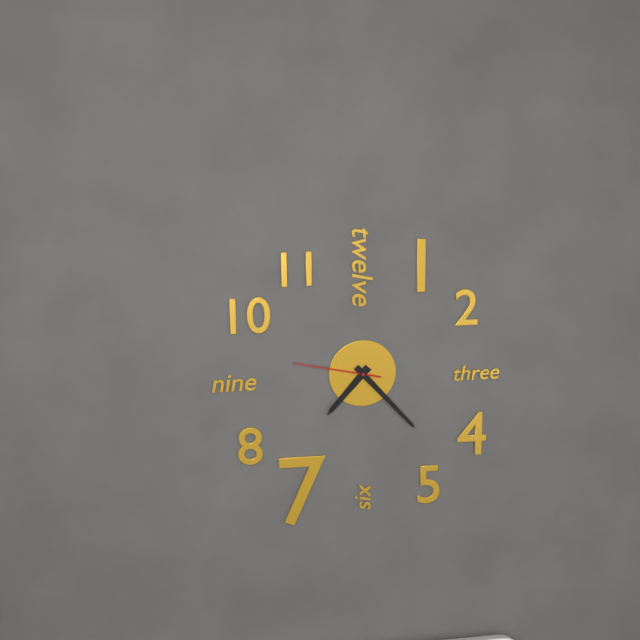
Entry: 7.23.47
